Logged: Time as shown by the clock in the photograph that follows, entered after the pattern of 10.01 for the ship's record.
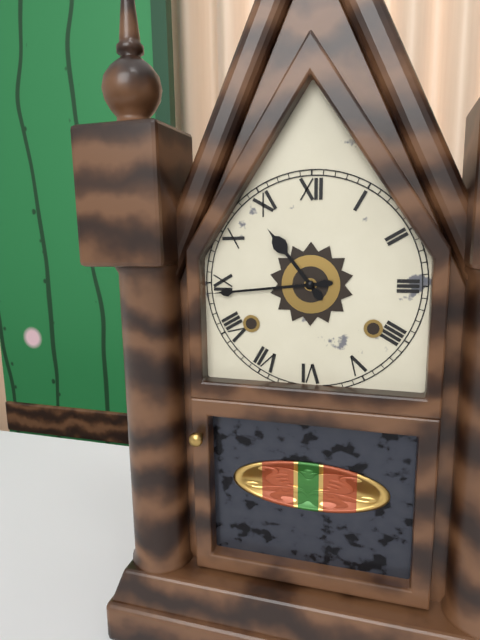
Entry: 10.44
